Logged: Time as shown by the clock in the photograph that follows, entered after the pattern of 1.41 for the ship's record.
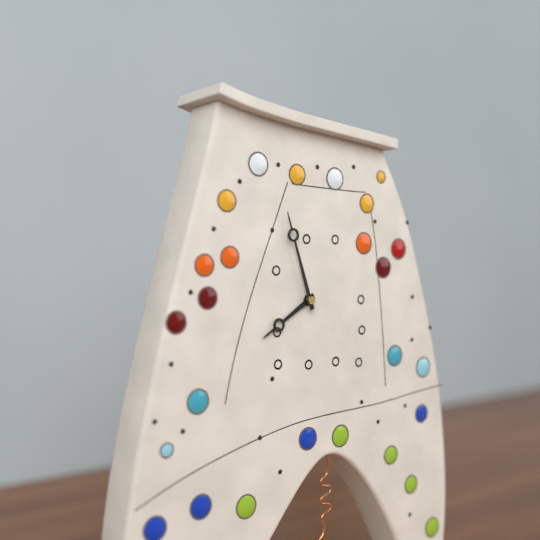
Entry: 7.57
